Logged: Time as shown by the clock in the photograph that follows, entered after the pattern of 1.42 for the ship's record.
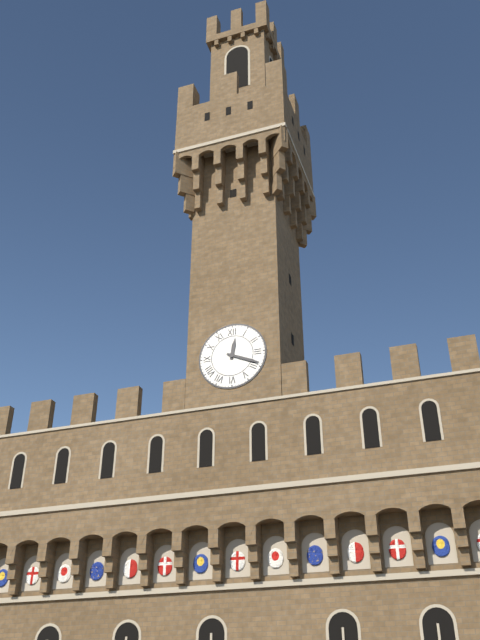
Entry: 12.19
